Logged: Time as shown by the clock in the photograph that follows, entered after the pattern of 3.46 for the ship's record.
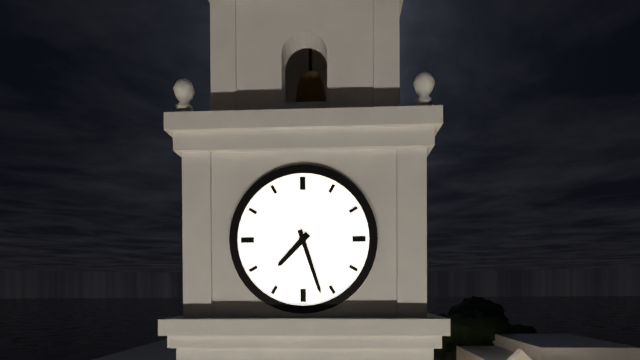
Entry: 7.27
